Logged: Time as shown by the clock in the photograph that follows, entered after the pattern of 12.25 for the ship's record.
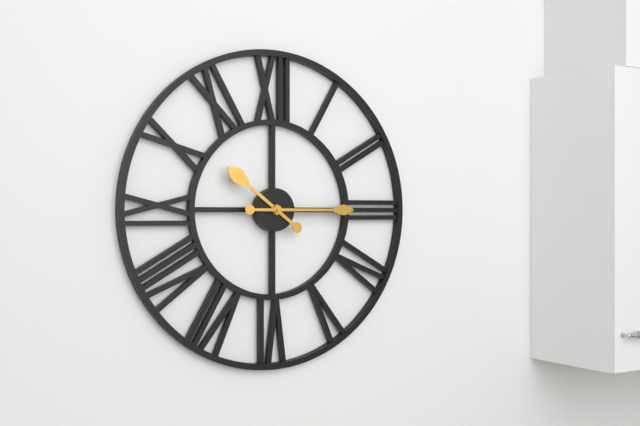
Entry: 10.15
